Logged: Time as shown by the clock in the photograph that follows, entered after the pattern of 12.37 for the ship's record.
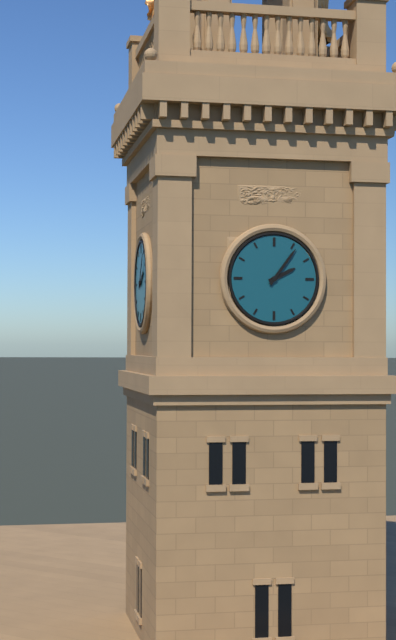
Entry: 2.06
